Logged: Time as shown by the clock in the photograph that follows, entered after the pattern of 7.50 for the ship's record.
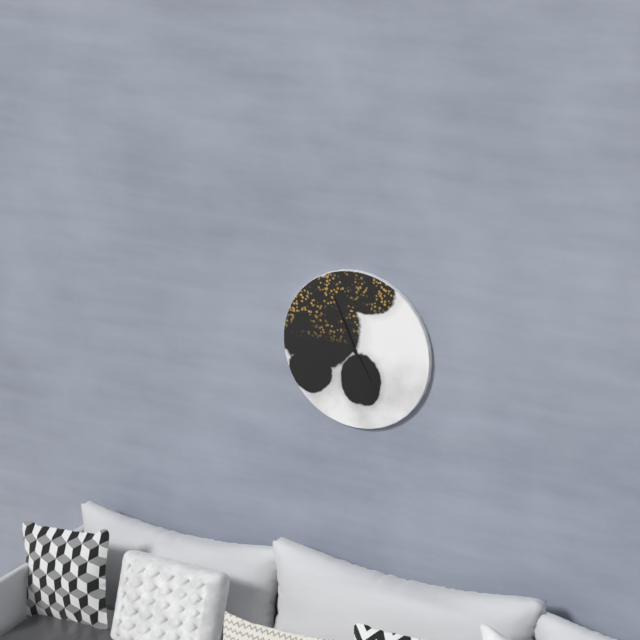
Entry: 4.56
